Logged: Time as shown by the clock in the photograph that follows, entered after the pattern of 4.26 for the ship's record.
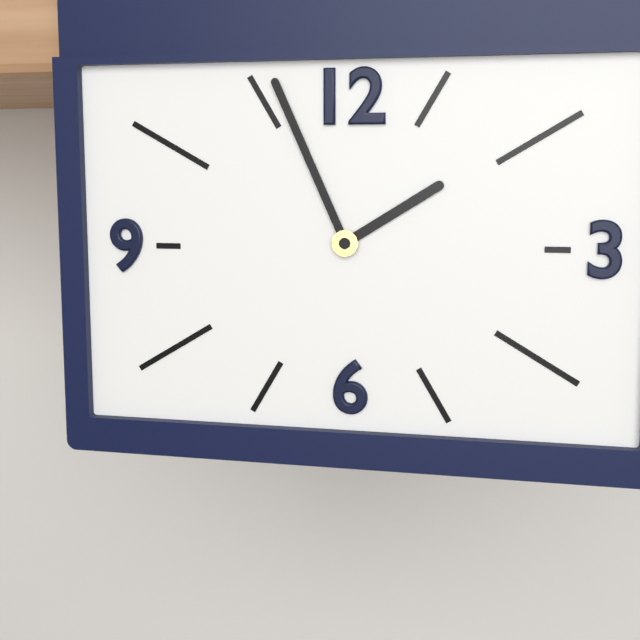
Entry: 1.56
